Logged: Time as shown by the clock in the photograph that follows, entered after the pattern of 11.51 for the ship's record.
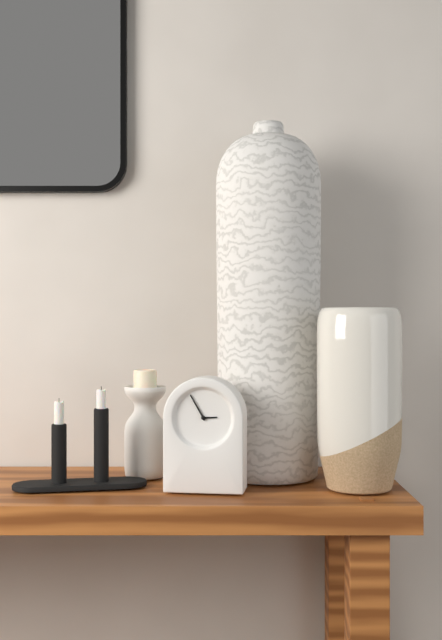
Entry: 2.55
